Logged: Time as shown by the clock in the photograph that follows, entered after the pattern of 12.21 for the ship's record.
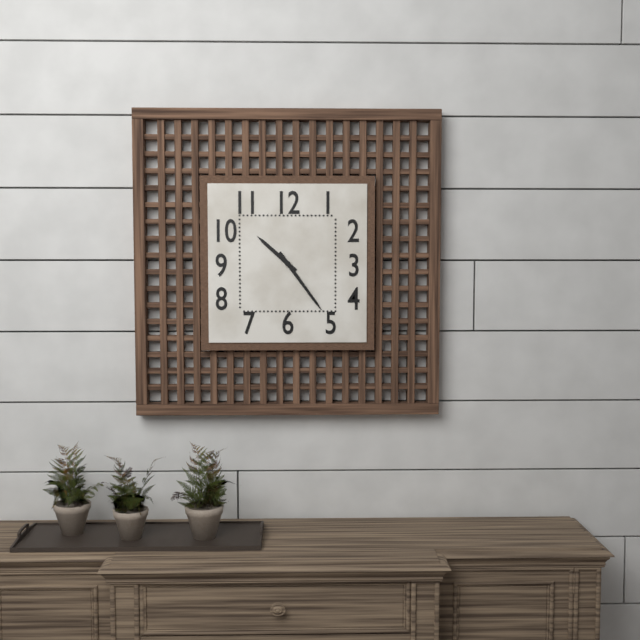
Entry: 10.24
